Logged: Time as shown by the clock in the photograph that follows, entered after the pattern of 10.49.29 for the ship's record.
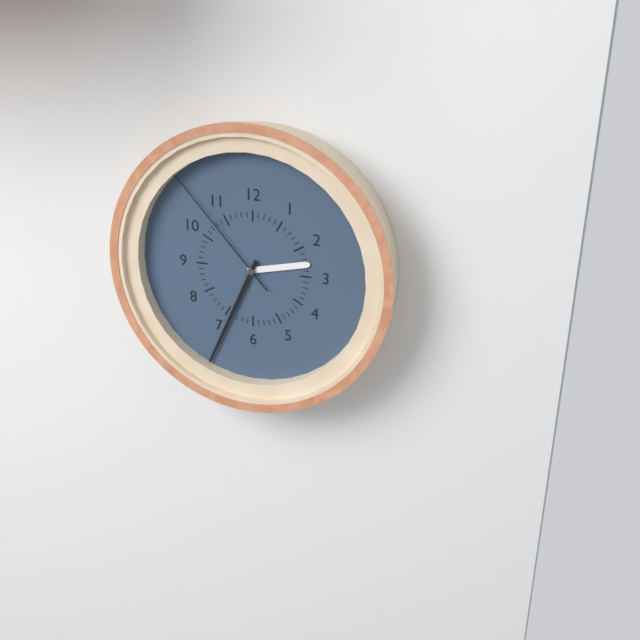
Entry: 2.34.53
